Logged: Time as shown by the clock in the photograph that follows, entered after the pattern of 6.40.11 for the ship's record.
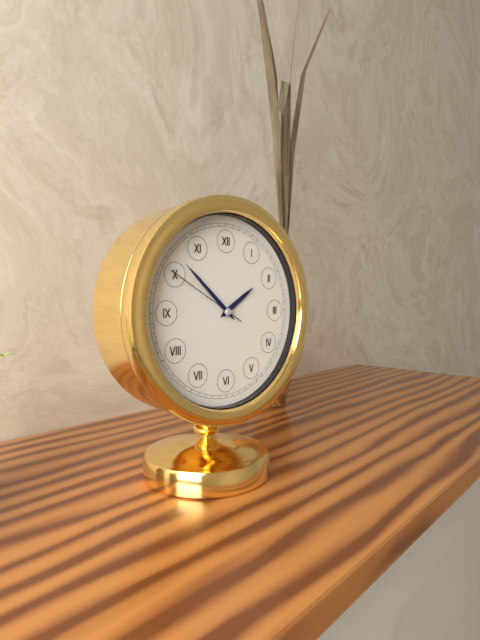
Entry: 1.52.50
